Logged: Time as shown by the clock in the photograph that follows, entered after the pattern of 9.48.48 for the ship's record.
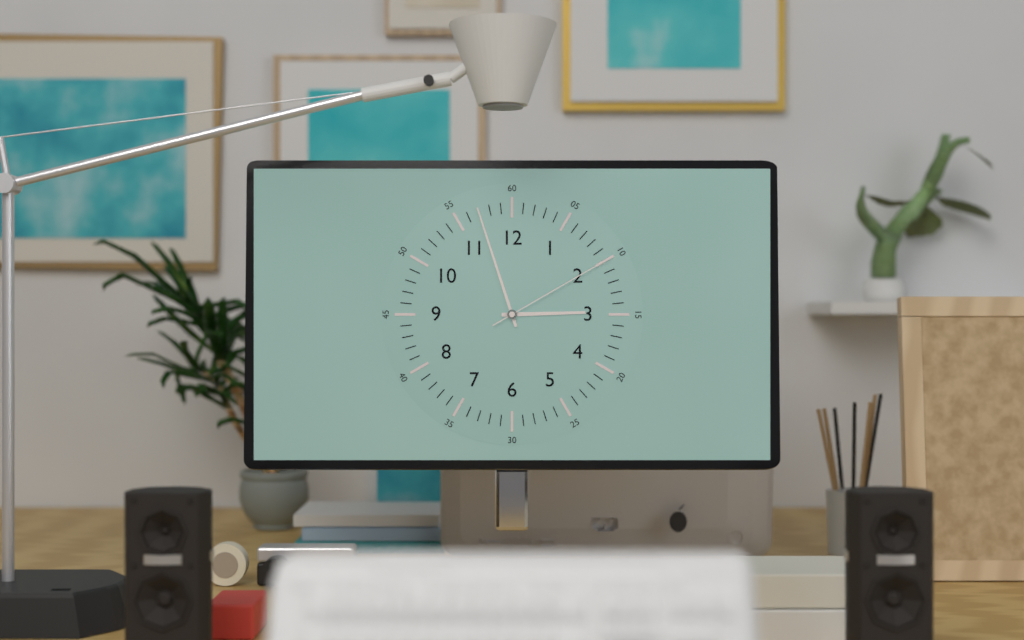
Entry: 2.57.10
